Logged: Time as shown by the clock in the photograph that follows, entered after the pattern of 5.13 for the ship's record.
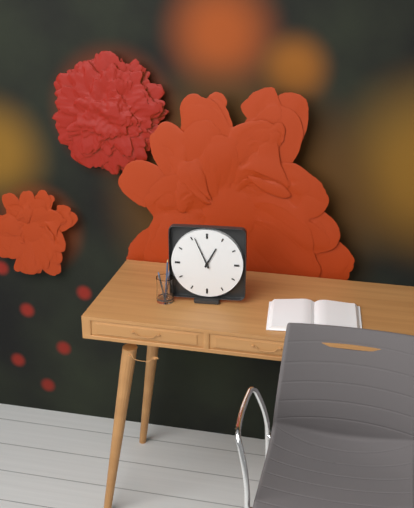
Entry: 12.56
